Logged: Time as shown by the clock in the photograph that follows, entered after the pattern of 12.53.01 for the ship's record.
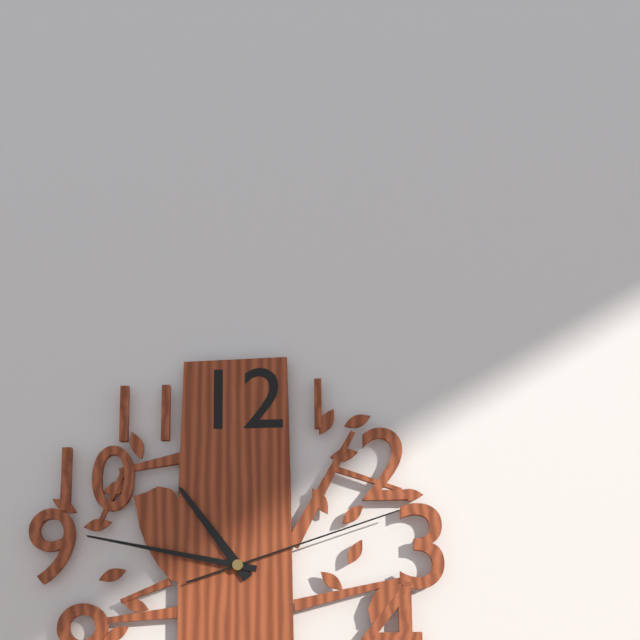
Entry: 10.47.12
